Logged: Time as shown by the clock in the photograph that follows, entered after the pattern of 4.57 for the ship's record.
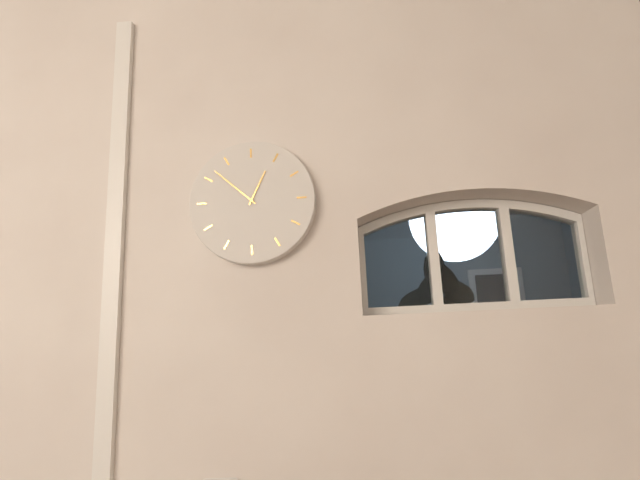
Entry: 12.52
